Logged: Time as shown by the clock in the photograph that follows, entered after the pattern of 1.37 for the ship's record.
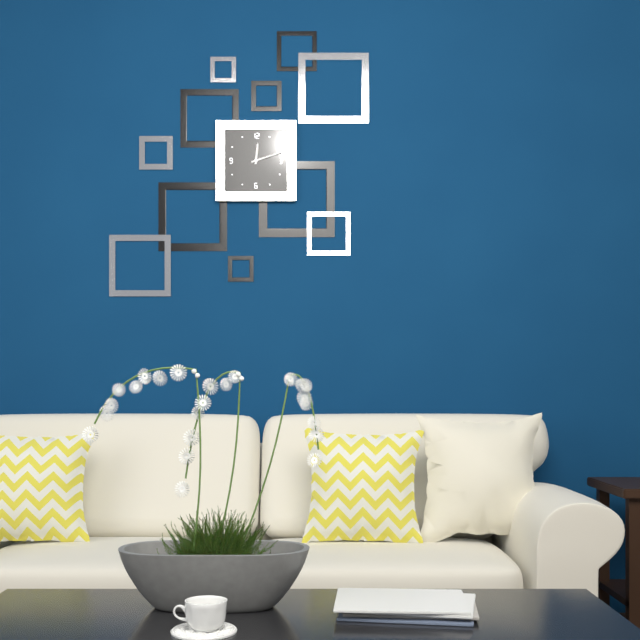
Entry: 12.12
